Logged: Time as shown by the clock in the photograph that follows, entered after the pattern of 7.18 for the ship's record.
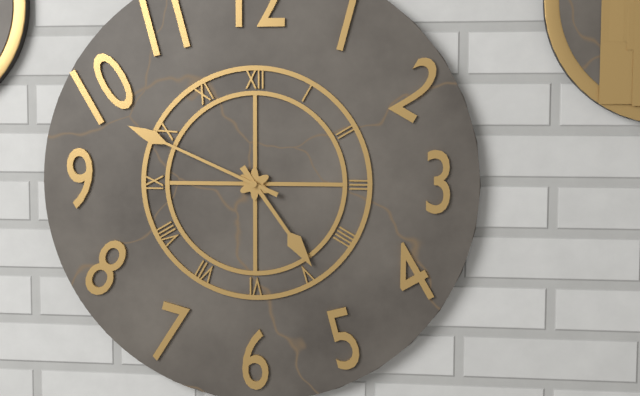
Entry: 4.49
